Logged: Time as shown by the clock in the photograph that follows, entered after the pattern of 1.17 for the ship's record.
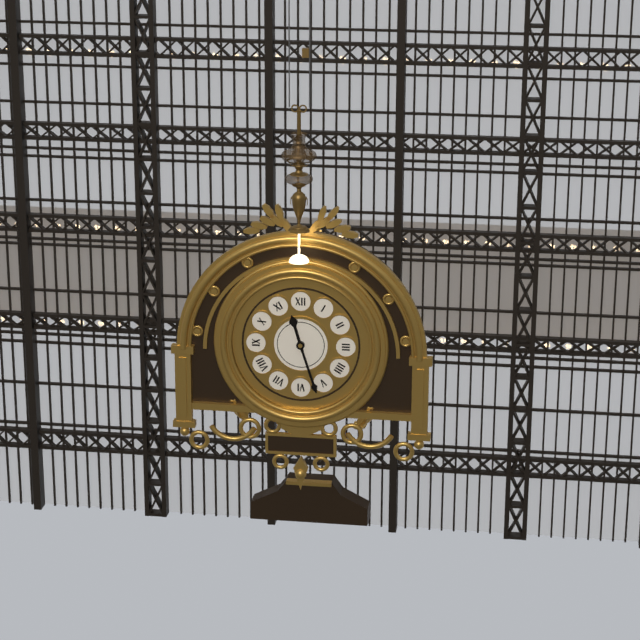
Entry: 11.27
